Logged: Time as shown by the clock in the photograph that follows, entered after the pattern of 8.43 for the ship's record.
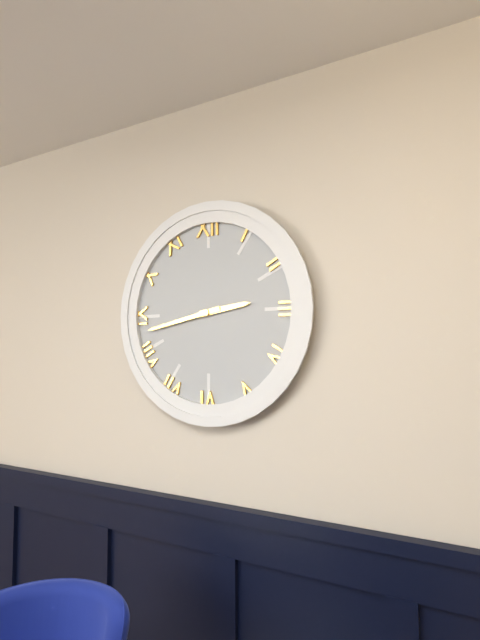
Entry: 2.43
